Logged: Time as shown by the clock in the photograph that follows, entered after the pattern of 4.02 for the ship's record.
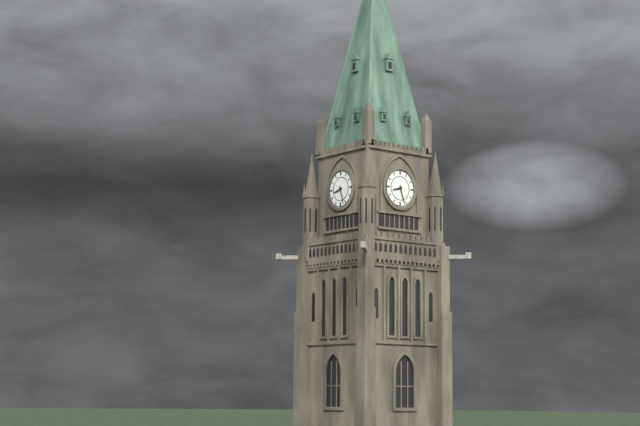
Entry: 8.27
